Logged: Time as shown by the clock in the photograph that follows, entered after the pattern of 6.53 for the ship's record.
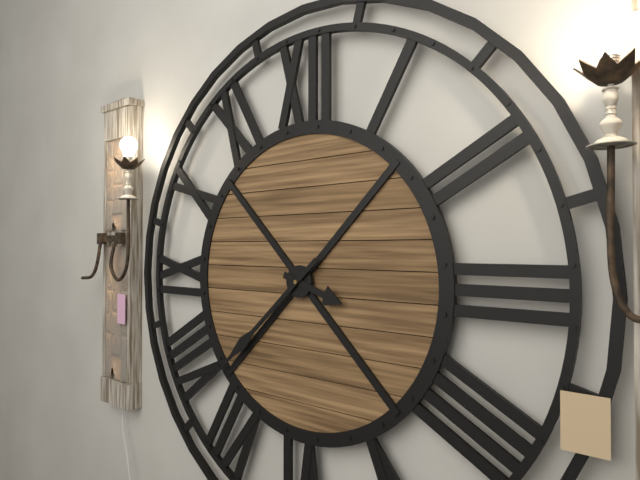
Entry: 3.38
